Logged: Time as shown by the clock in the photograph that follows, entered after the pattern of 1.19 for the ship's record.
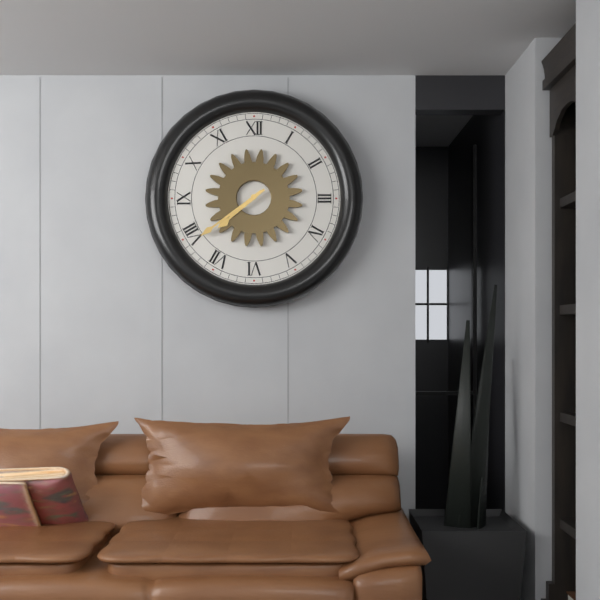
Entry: 7.39
